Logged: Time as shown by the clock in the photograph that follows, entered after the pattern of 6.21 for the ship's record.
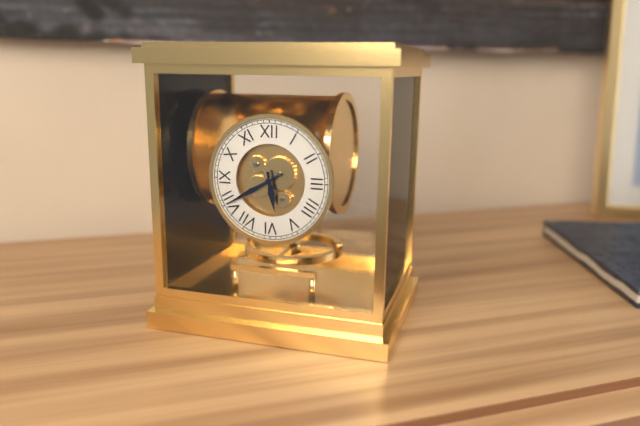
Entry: 5.40
